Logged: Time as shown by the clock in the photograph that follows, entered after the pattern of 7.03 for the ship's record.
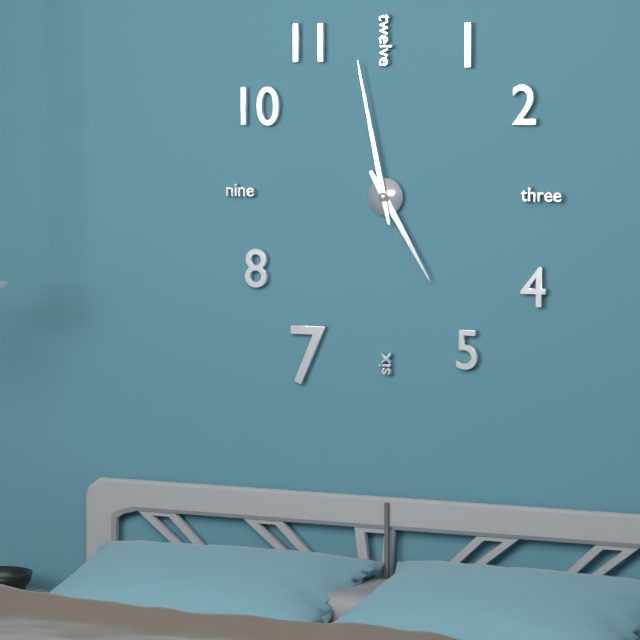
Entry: 4.58
